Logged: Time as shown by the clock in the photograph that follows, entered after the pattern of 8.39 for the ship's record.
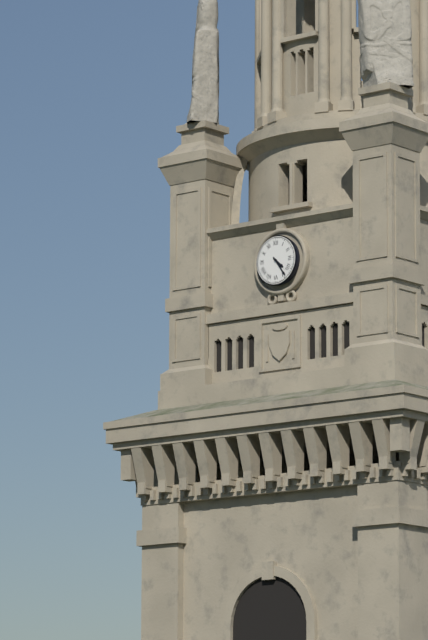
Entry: 4.24
